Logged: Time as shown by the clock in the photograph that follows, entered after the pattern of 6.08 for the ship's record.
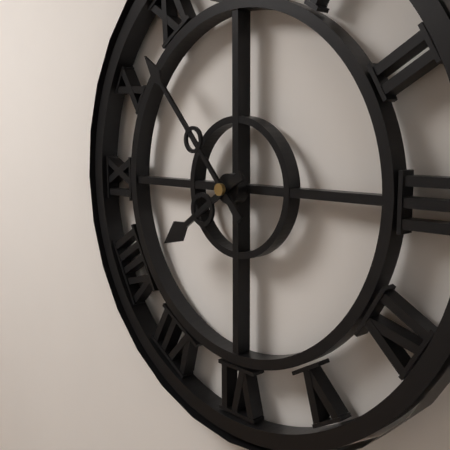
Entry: 7.53
